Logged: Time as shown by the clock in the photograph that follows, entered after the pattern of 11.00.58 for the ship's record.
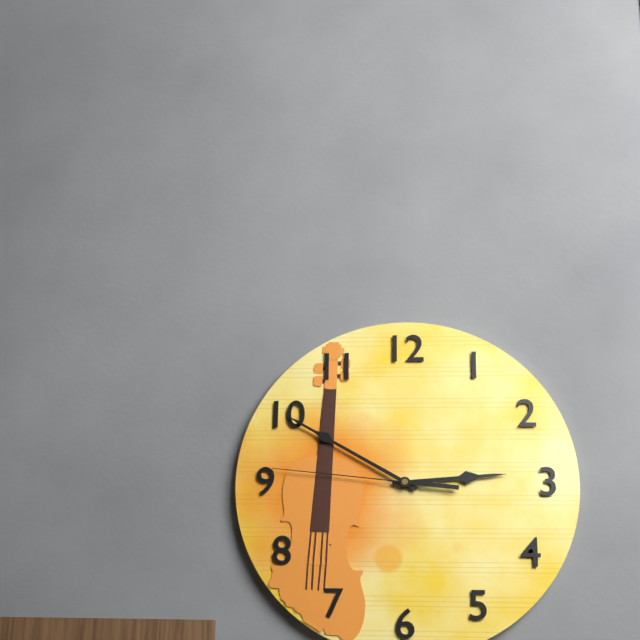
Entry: 2.50.46
